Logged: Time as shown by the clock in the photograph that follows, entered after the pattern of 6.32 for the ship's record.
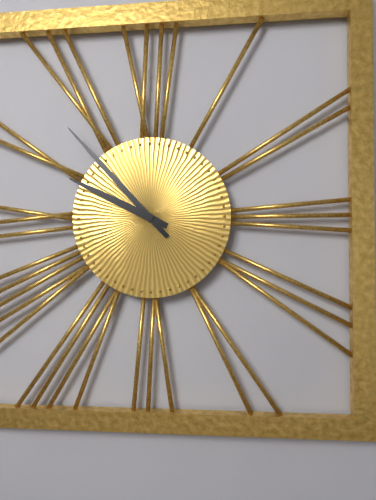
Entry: 9.53
